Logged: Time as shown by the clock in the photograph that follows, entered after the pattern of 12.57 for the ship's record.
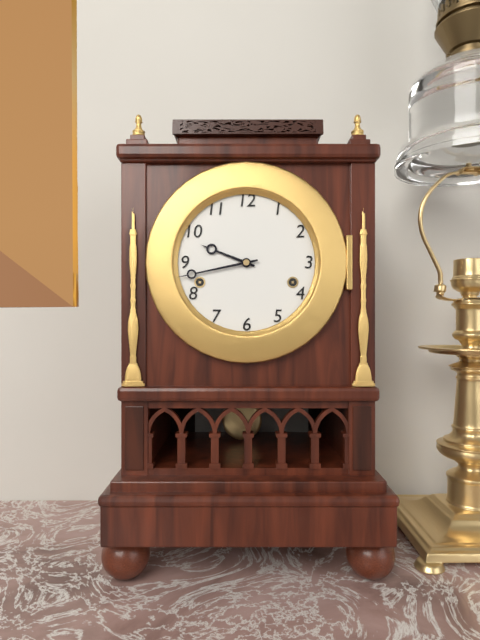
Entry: 9.43
